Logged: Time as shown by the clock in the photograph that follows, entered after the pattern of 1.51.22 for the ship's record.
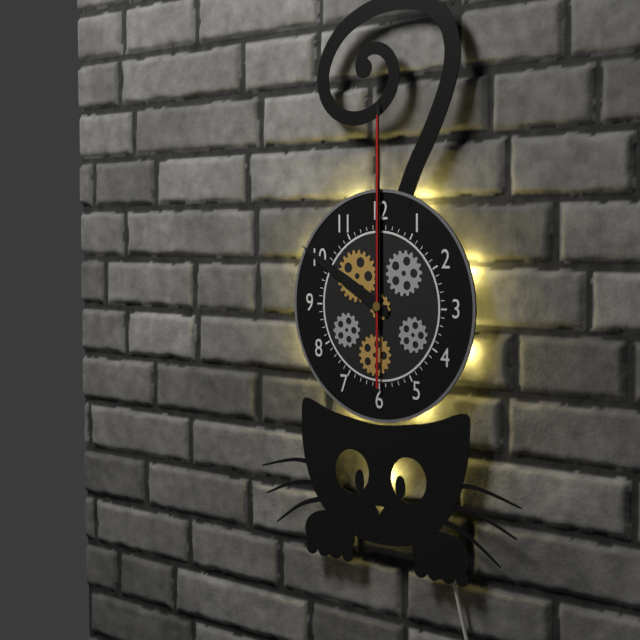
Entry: 10.00.00
